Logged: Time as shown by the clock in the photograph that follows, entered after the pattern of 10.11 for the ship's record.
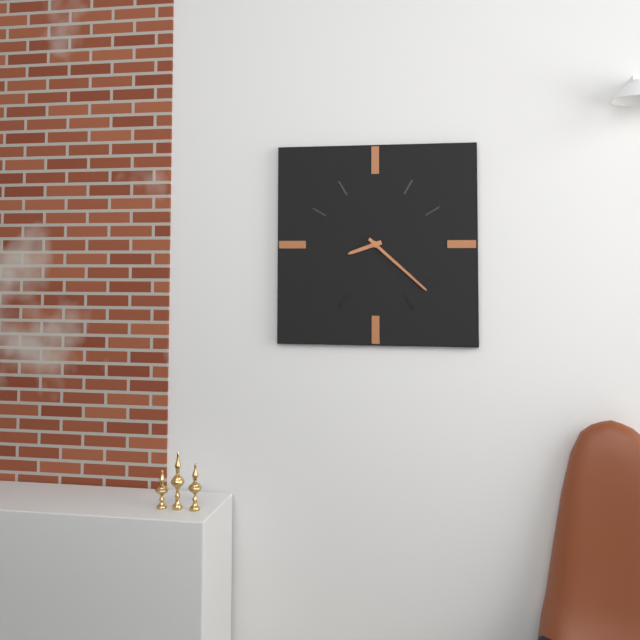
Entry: 8.22
